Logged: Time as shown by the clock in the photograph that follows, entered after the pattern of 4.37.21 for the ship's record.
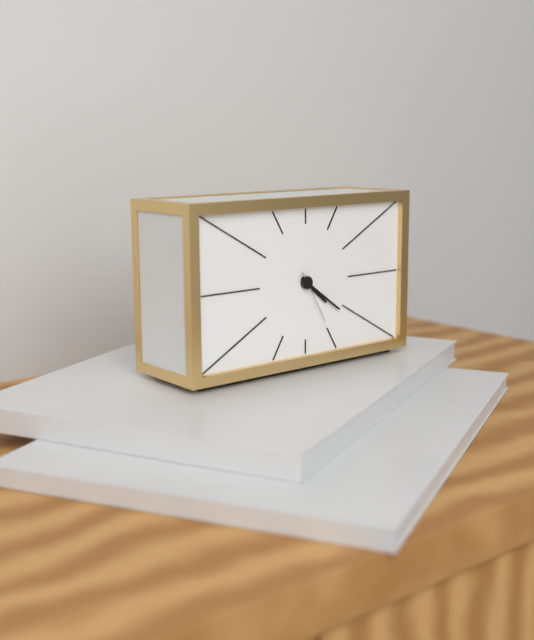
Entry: 4.21.25
